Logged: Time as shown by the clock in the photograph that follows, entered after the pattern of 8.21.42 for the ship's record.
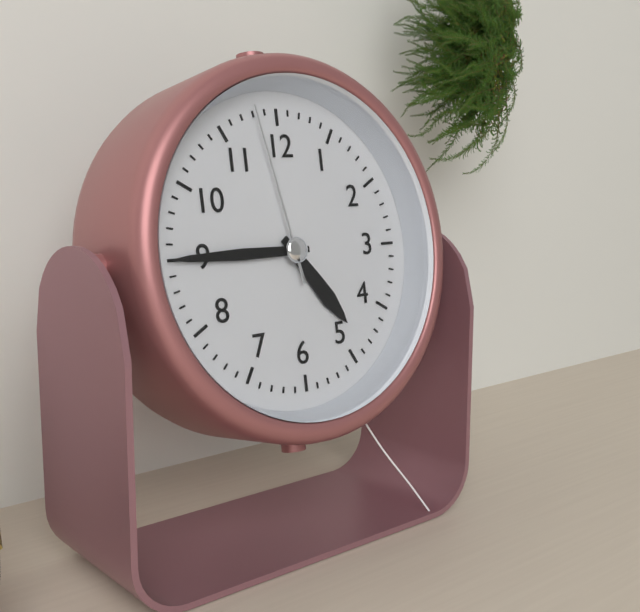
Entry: 4.45.58
